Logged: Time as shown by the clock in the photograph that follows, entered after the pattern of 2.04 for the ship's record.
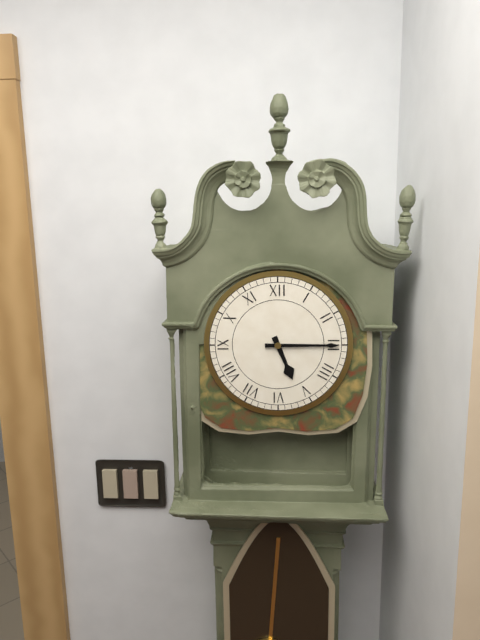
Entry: 5.15
